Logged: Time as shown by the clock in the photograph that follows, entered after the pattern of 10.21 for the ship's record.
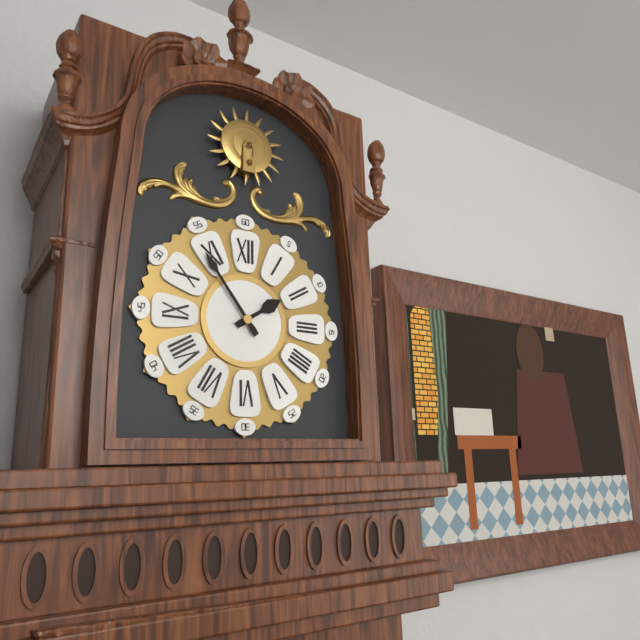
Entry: 1.54
